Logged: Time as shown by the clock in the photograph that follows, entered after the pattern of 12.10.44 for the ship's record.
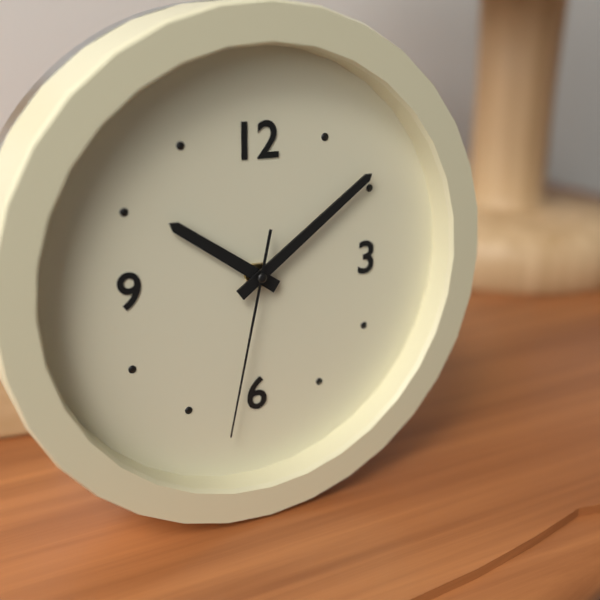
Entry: 10.09.32
